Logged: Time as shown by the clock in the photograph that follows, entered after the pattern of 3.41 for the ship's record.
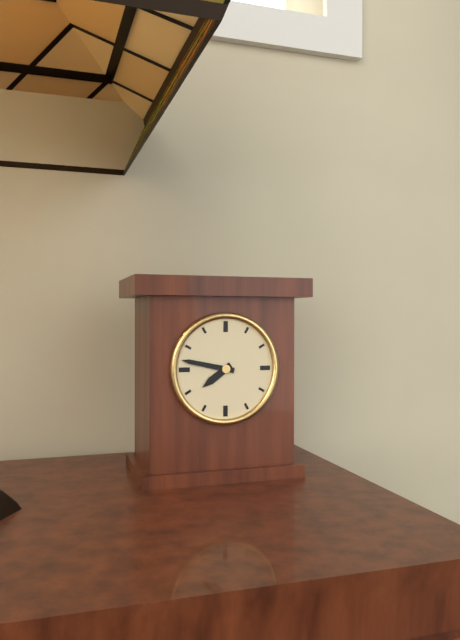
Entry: 7.47
